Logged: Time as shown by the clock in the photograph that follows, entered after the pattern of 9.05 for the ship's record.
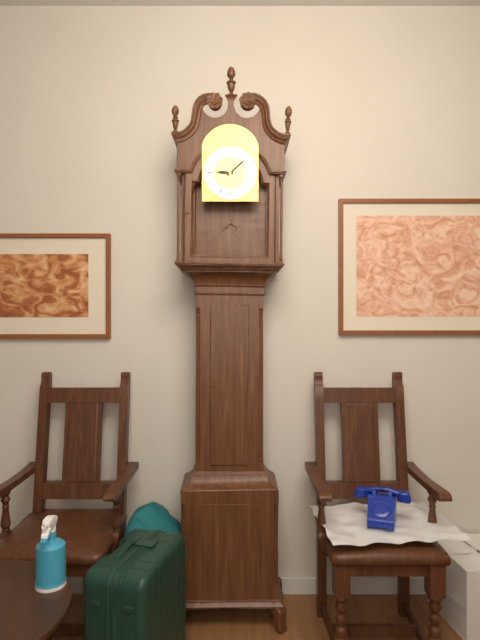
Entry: 9.08
